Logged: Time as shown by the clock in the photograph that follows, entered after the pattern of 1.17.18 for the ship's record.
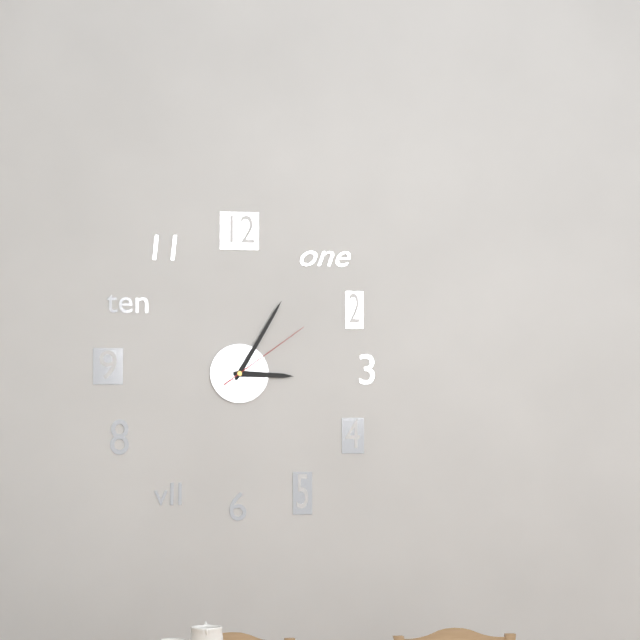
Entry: 3.05.09
